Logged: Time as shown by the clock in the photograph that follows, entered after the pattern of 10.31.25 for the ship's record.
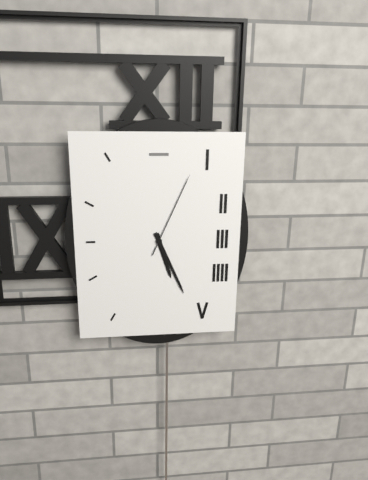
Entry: 5.26.04
